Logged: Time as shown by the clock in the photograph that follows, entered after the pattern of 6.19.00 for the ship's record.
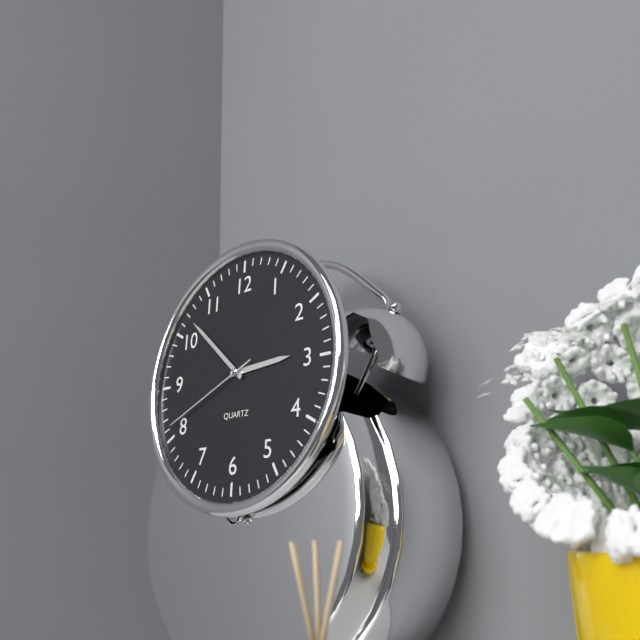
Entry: 2.52.41
